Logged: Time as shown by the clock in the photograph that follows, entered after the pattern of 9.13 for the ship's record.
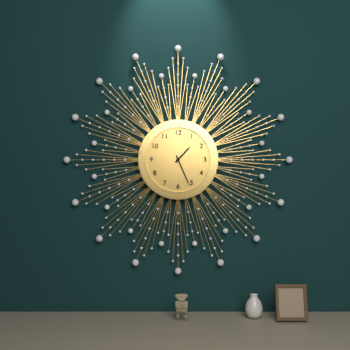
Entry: 1.26
